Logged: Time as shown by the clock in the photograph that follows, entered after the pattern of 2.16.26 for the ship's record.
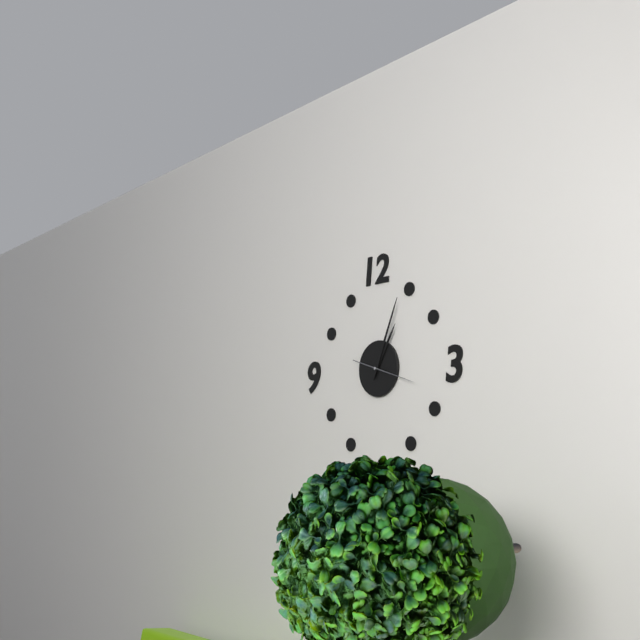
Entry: 1.04.18
